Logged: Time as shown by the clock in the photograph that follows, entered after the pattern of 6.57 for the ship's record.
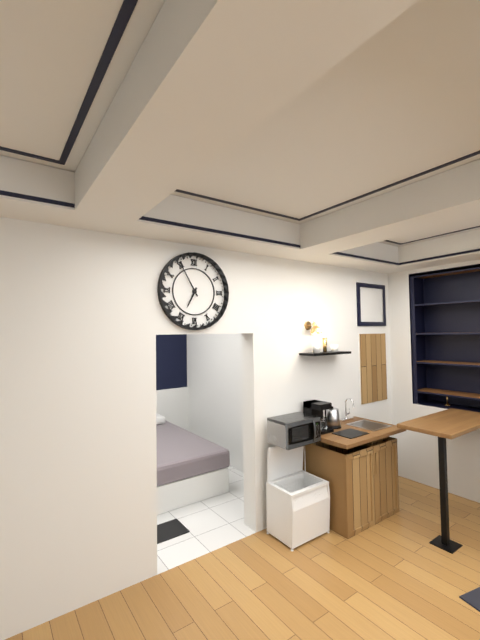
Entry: 6.55
